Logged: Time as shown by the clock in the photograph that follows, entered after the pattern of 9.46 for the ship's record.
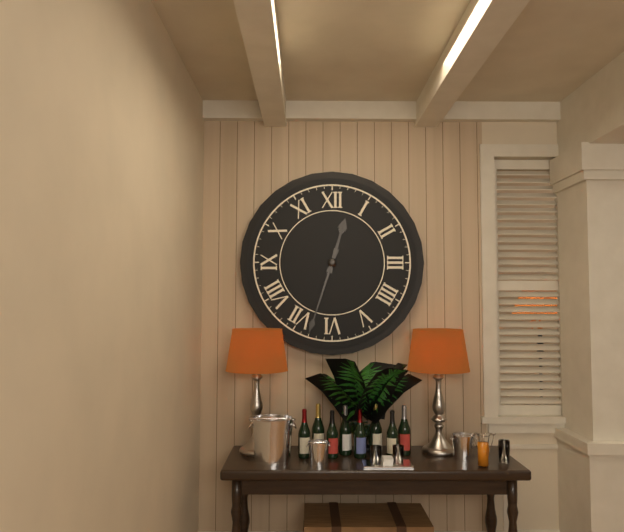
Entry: 12.33
